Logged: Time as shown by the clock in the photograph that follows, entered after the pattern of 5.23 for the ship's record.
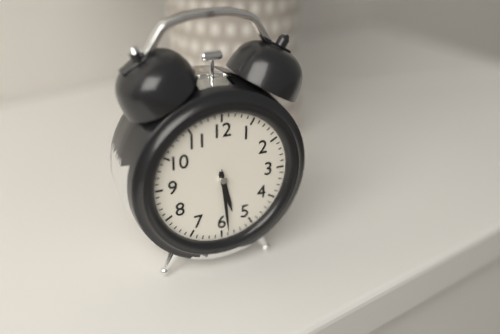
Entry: 5.29
